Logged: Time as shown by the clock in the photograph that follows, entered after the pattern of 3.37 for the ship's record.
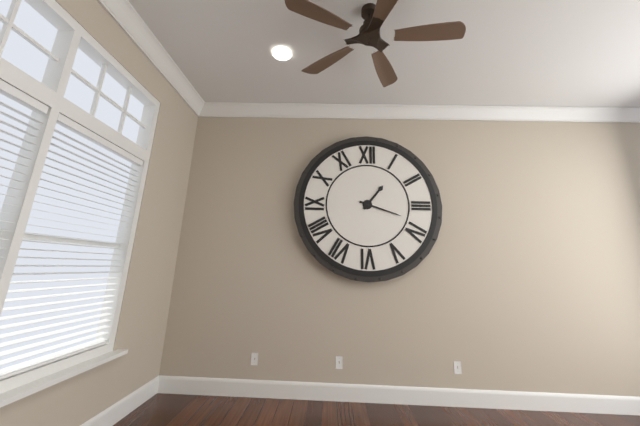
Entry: 1.18
